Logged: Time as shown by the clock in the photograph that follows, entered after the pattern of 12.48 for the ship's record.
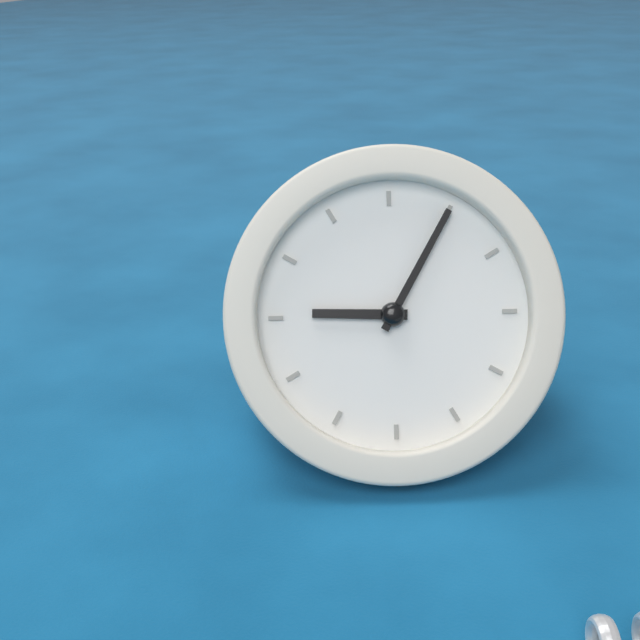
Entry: 9.05
